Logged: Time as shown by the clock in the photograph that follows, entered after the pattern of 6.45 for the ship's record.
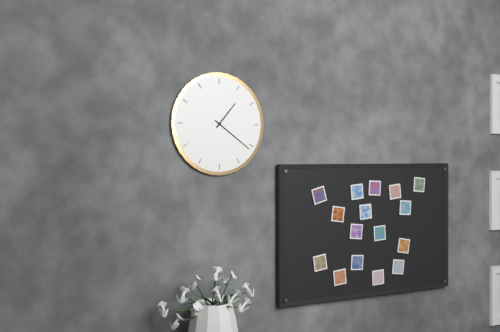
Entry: 1.21
